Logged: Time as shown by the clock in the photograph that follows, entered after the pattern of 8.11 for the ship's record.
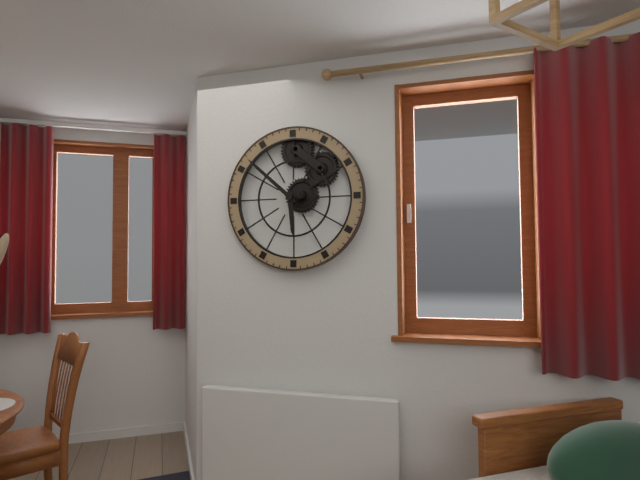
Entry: 5.52
